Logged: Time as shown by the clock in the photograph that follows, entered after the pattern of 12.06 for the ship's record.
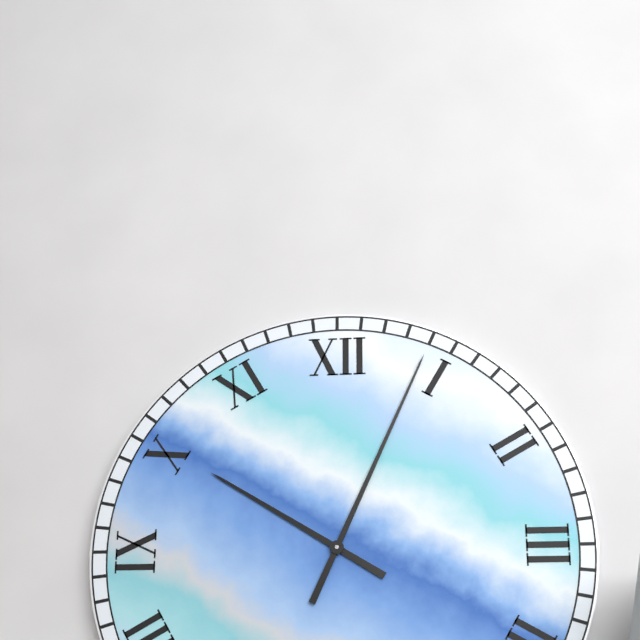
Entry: 10.04
